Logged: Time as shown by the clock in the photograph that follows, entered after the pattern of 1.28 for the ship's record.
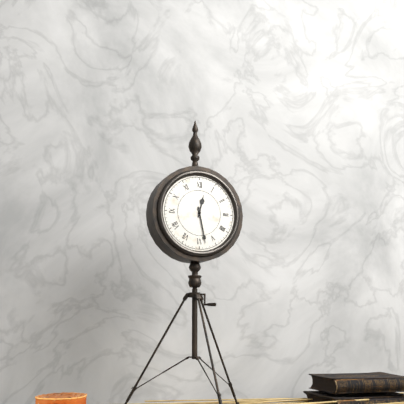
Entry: 12.28
